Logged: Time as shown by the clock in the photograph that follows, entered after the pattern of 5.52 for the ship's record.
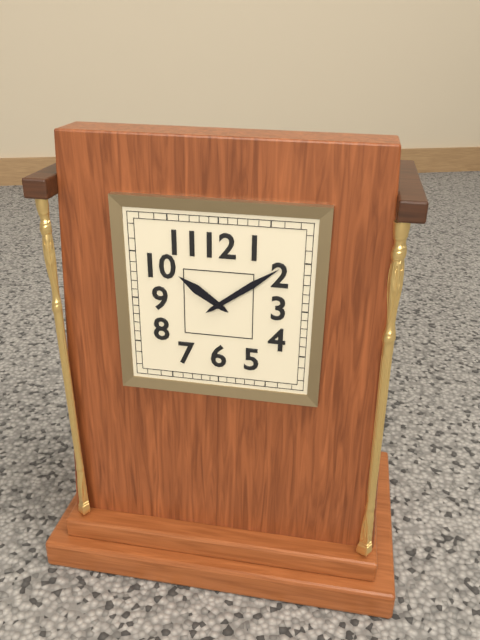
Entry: 10.09
